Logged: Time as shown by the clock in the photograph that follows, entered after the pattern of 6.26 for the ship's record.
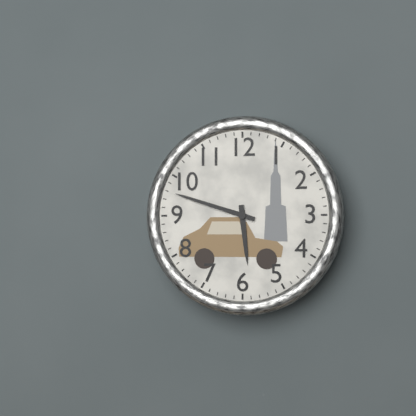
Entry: 5.48
